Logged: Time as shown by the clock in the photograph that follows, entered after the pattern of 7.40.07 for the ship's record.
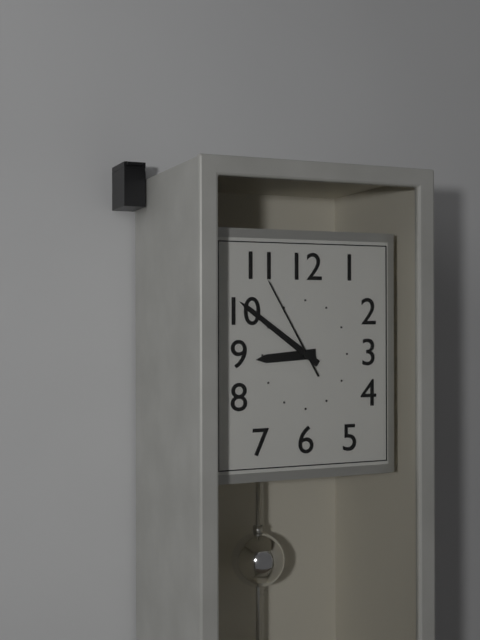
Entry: 8.51.55
